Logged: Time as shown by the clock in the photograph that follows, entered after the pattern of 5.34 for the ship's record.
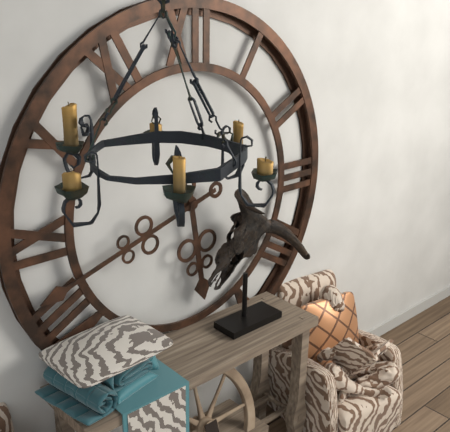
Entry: 5.42
